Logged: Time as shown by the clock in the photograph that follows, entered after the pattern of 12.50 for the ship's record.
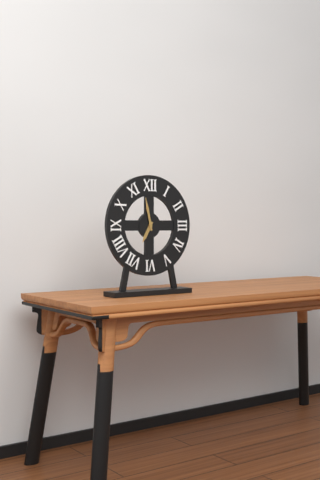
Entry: 6.58
